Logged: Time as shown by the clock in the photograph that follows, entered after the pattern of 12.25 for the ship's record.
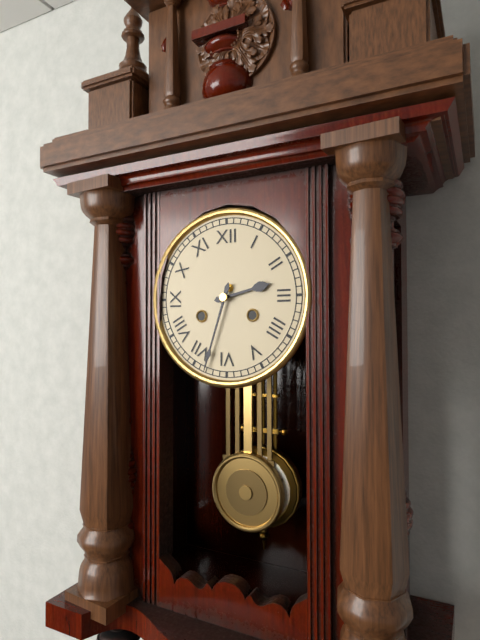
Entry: 2.33
